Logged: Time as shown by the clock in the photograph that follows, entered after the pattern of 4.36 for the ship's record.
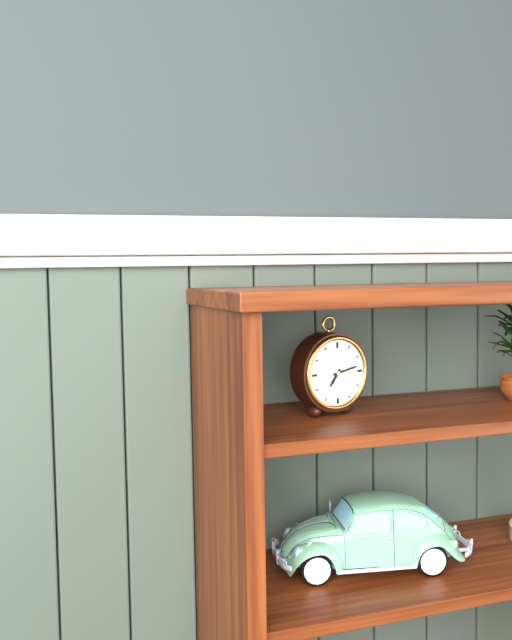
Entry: 7.13
